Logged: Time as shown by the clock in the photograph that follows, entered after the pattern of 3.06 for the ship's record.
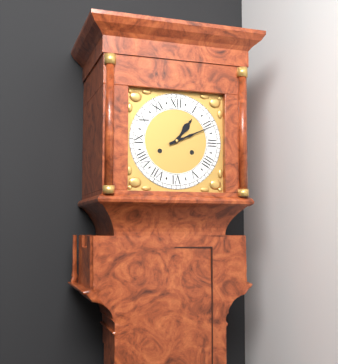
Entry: 1.11
